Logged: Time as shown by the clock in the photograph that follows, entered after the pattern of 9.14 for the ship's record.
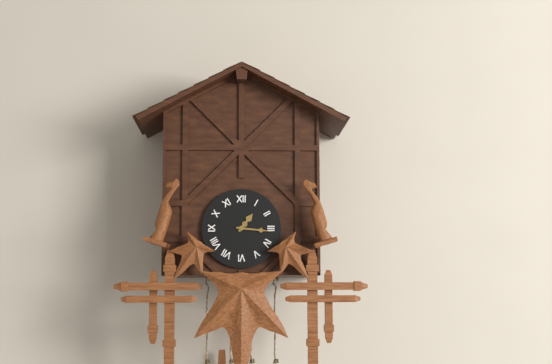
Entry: 1.16
